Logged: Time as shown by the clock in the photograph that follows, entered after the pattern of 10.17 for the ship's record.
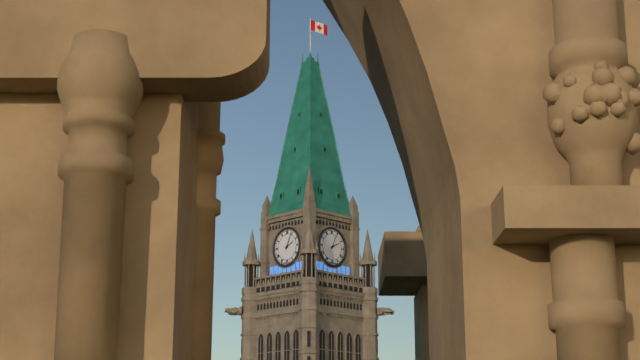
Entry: 2.04
